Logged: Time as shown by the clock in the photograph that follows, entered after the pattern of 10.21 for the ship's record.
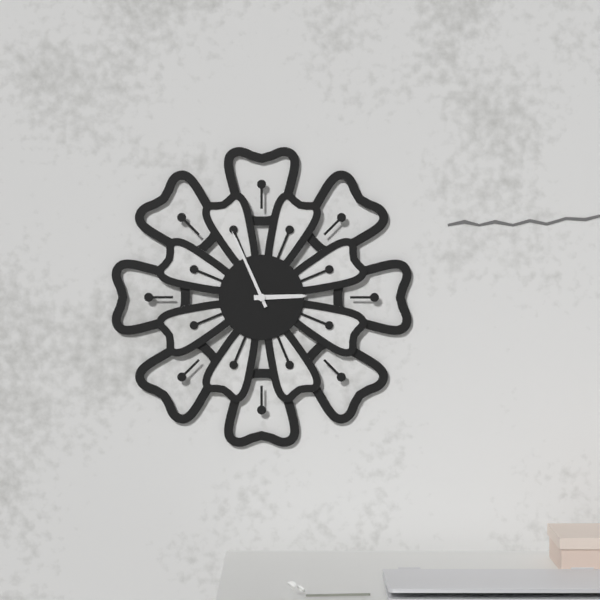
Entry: 2.56
